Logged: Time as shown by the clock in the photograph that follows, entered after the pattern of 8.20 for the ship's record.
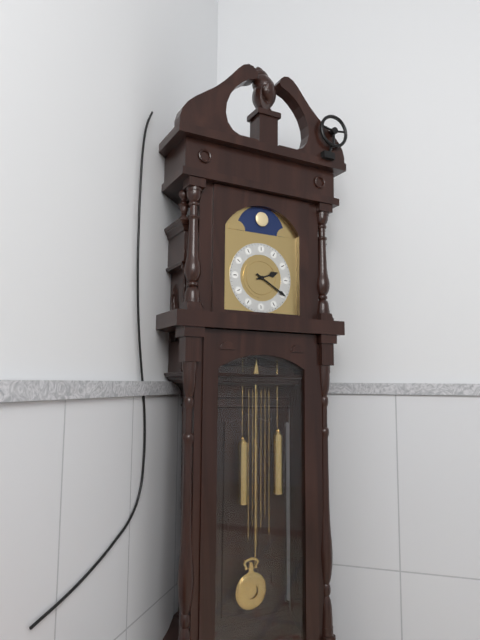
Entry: 2.20
